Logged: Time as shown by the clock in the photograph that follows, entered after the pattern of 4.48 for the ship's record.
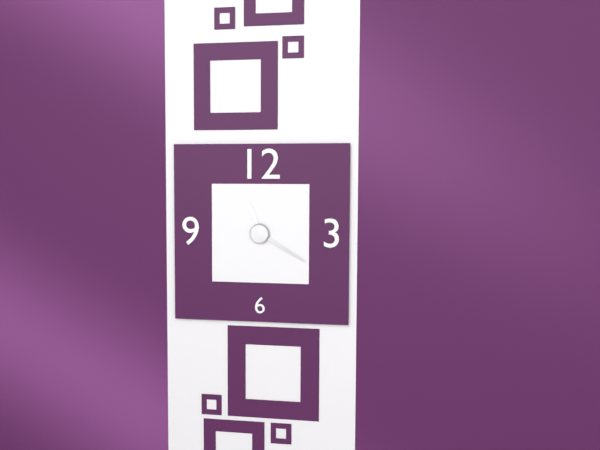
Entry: 11.20
